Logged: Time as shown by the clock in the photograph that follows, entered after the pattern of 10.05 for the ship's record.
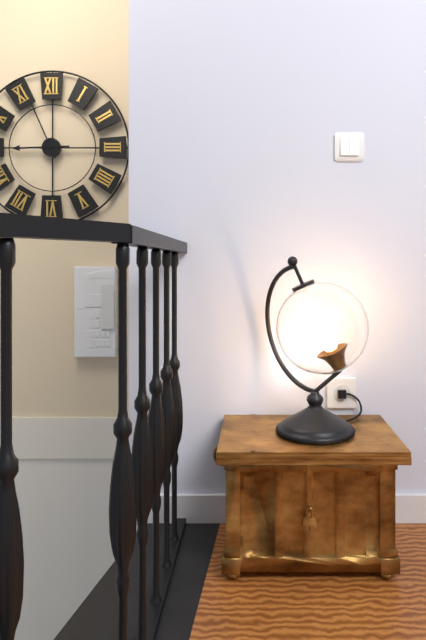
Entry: 8.56
